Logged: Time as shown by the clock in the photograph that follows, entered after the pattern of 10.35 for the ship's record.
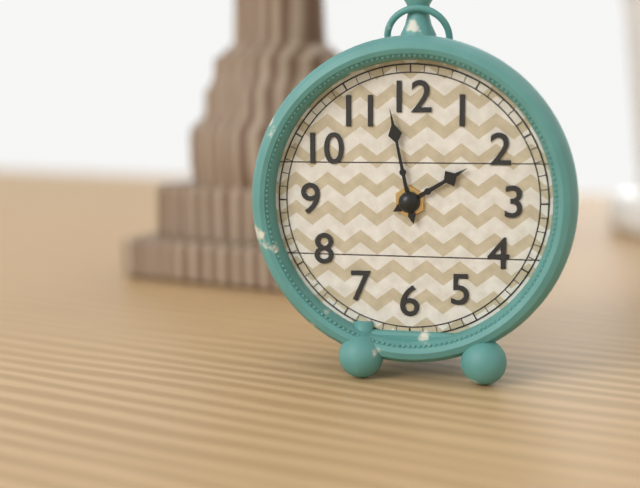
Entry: 1.58
